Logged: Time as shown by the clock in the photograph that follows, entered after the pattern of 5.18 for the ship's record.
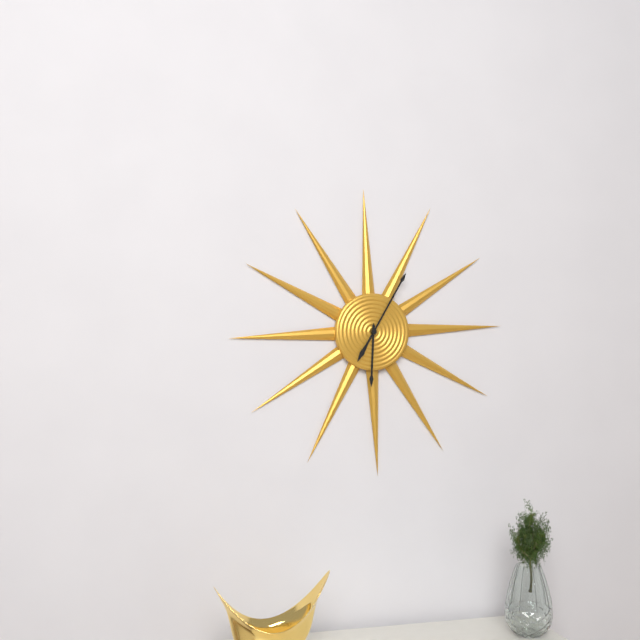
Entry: 6.05
